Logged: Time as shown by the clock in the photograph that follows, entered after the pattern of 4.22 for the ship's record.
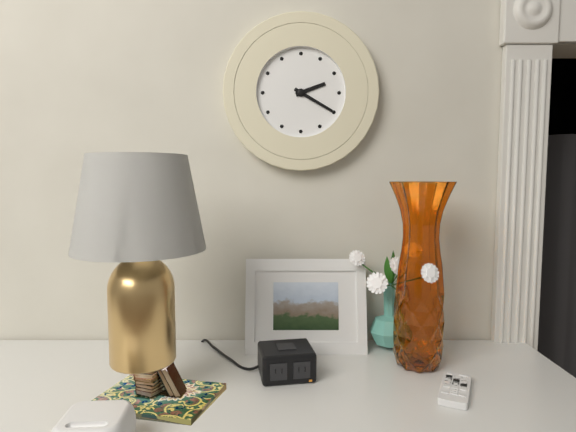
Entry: 2.20
